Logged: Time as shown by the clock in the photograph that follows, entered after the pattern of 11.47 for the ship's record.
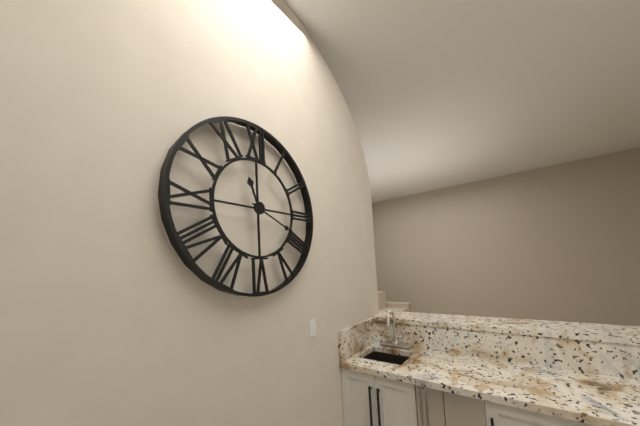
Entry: 11.19
